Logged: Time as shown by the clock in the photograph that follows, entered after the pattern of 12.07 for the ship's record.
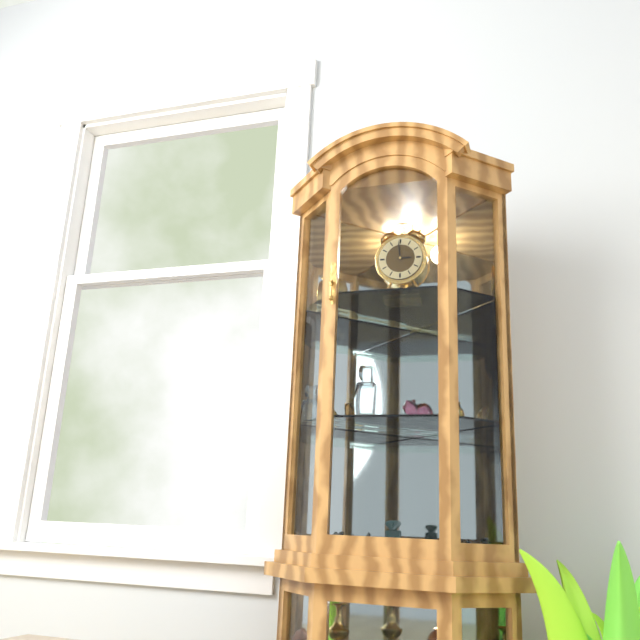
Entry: 2.59
